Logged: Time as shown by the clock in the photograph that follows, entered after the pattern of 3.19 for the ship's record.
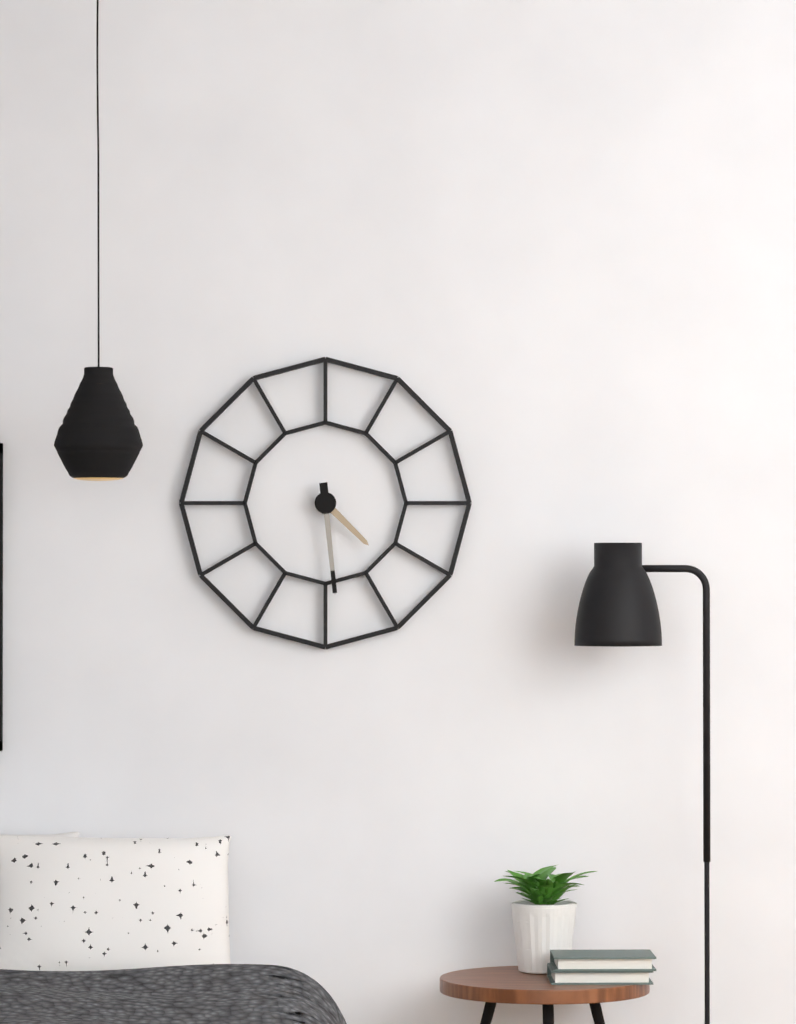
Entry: 4.29
